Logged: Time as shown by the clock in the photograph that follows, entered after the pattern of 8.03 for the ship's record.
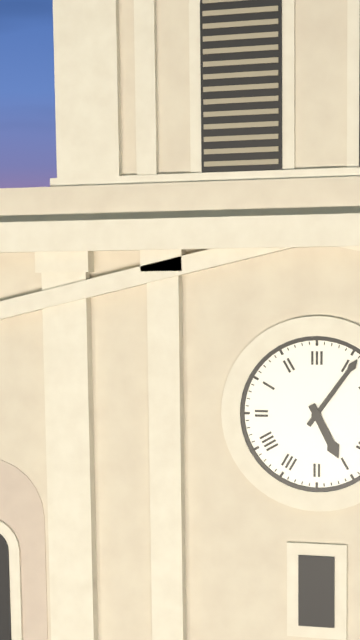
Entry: 5.06
